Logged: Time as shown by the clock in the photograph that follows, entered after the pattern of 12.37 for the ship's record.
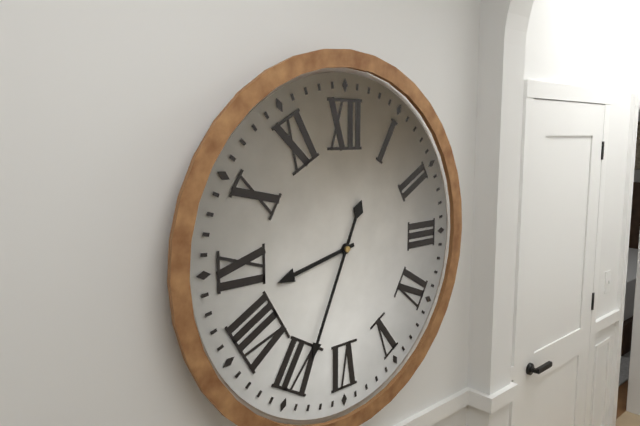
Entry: 8.34
